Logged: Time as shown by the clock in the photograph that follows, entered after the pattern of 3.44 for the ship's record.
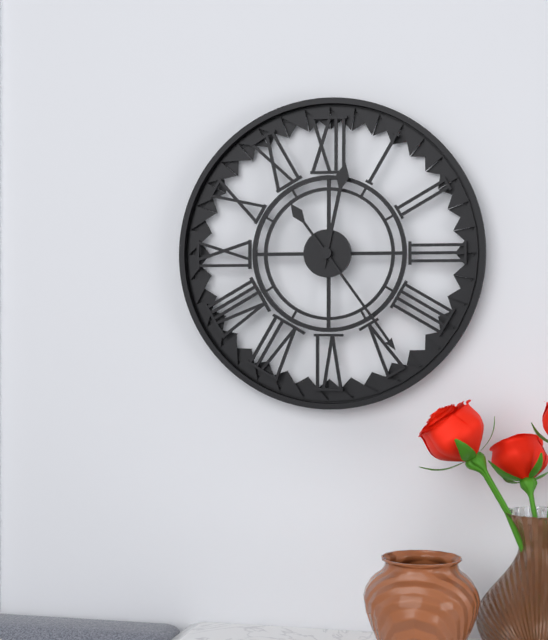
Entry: 12.24
